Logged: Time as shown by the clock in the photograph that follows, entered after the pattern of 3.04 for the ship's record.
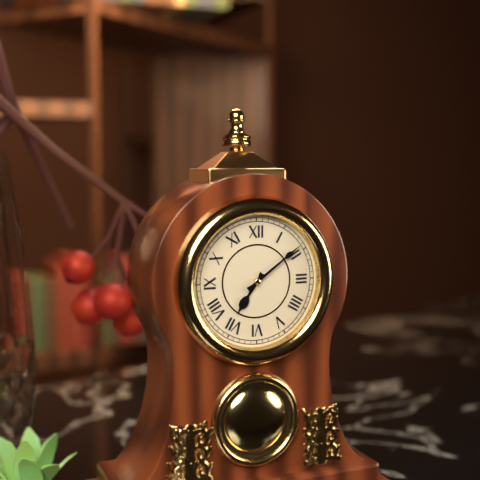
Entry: 7.09
